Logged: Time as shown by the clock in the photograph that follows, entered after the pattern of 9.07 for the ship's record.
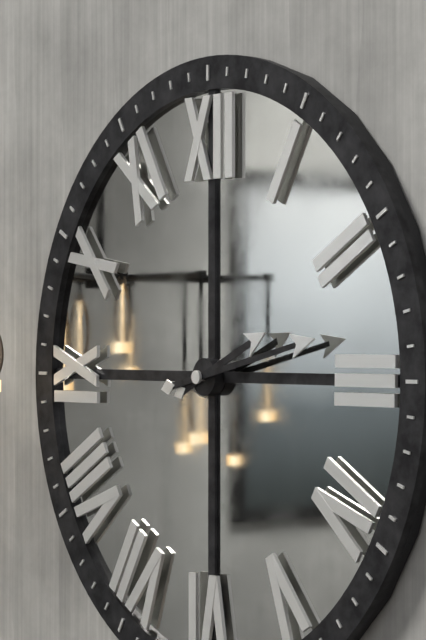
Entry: 2.13
